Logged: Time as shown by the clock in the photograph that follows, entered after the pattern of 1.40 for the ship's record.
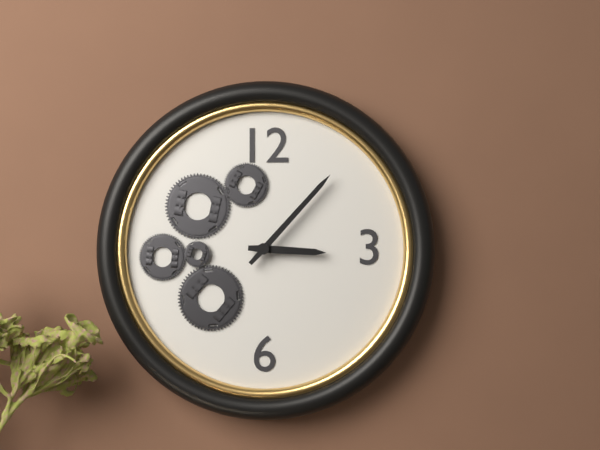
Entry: 3.07
